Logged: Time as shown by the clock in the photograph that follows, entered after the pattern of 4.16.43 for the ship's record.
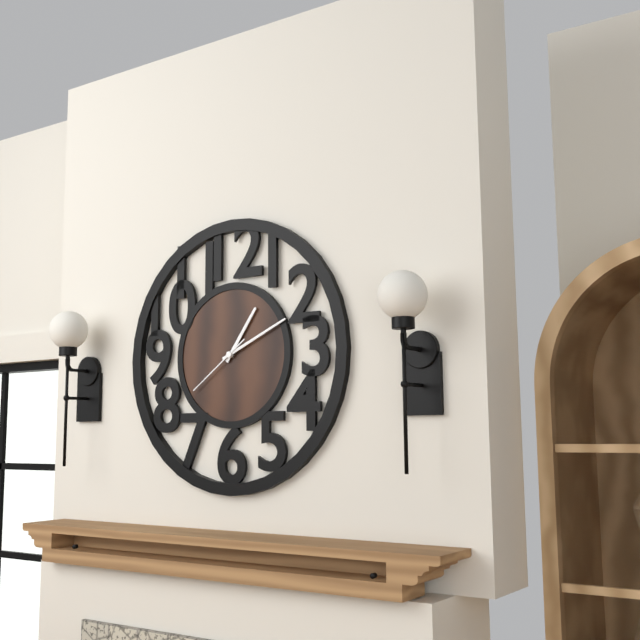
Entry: 1.11.39
